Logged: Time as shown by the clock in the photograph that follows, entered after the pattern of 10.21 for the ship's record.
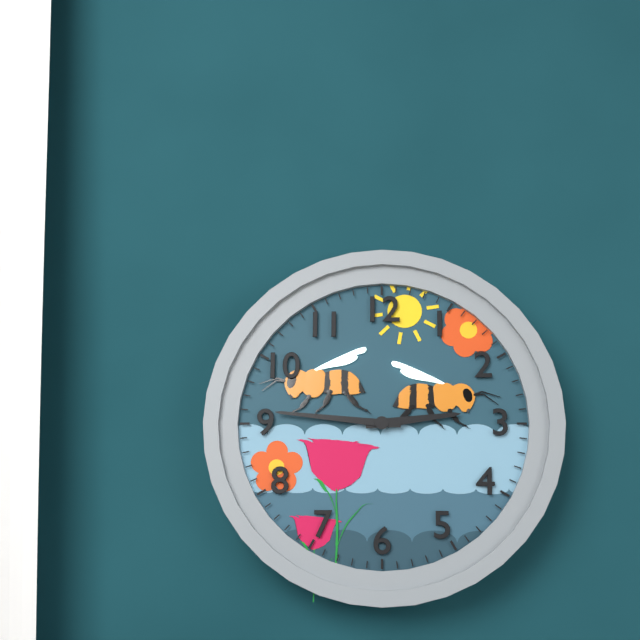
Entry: 2.46
